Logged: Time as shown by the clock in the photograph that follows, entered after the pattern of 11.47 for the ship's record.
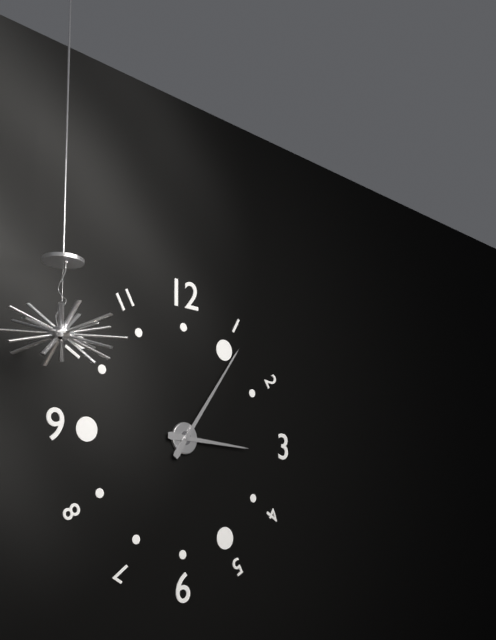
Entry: 3.06
